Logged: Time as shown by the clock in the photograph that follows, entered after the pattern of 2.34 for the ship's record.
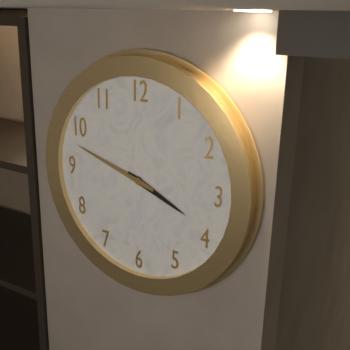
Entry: 3.48
